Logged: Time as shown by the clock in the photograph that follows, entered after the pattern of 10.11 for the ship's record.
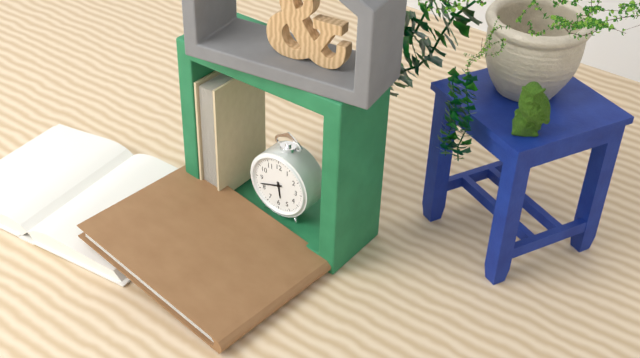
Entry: 5.42
